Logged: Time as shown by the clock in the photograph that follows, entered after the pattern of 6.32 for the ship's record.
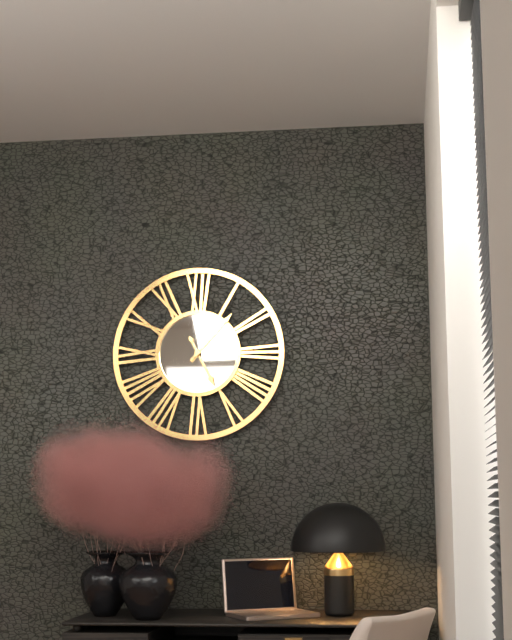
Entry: 5.07
